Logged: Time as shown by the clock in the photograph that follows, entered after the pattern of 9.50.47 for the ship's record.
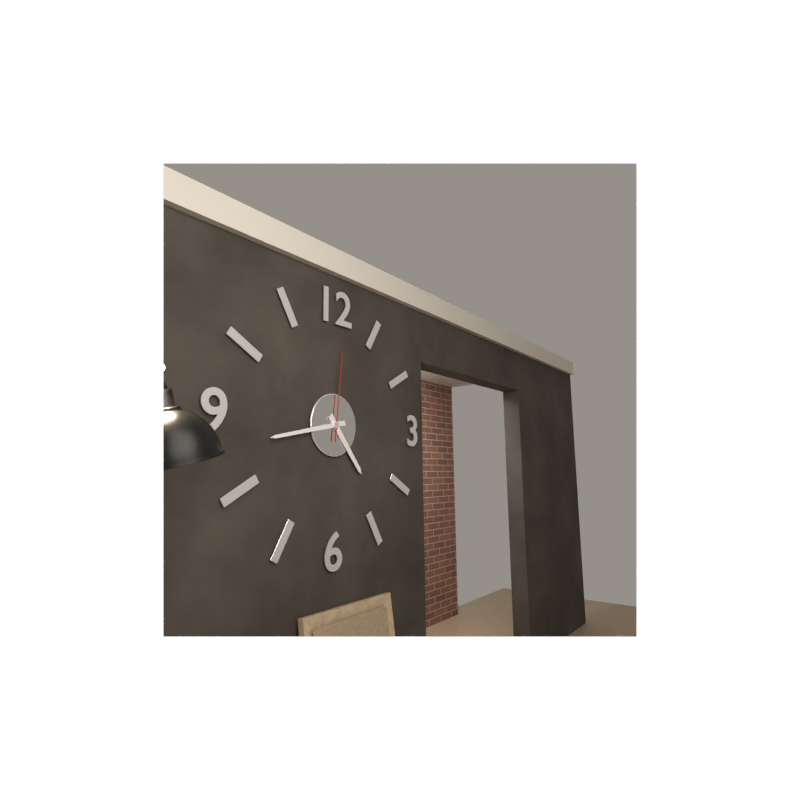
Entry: 4.43.01
